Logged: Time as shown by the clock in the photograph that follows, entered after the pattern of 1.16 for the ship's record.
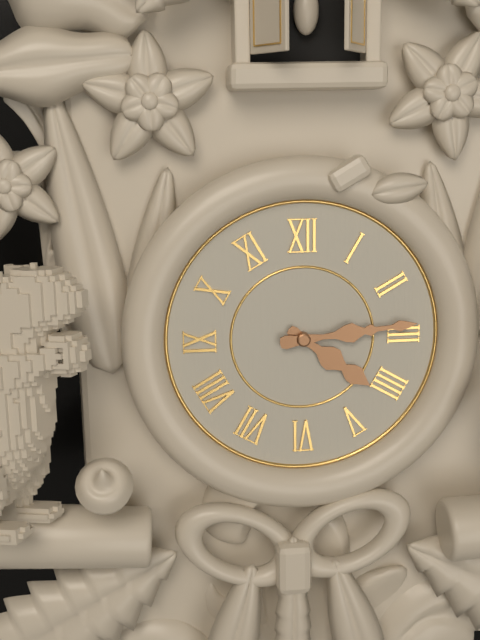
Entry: 4.14
